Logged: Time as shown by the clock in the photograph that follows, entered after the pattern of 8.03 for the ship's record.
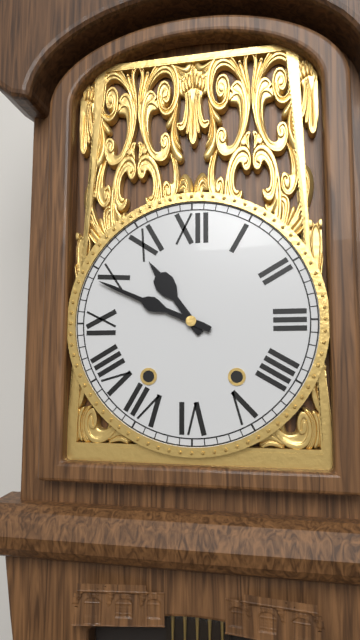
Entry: 10.49
